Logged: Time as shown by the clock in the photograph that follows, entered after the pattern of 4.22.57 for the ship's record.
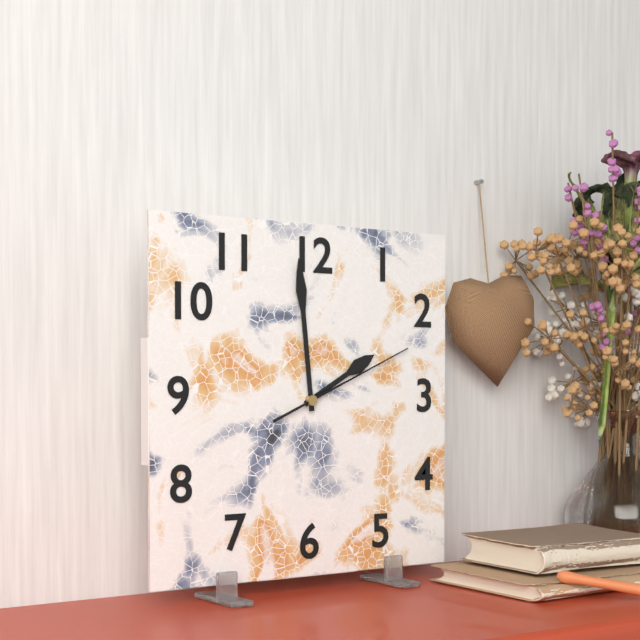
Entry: 1.59.11
